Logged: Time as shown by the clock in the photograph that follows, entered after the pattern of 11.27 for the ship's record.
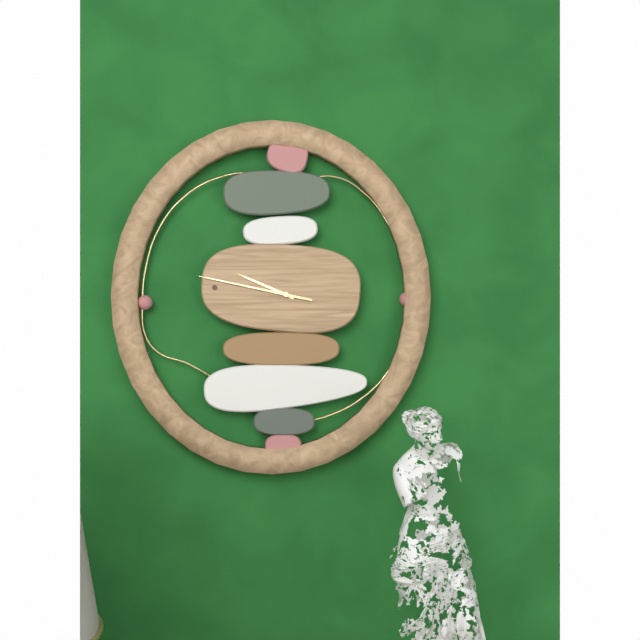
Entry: 9.47
